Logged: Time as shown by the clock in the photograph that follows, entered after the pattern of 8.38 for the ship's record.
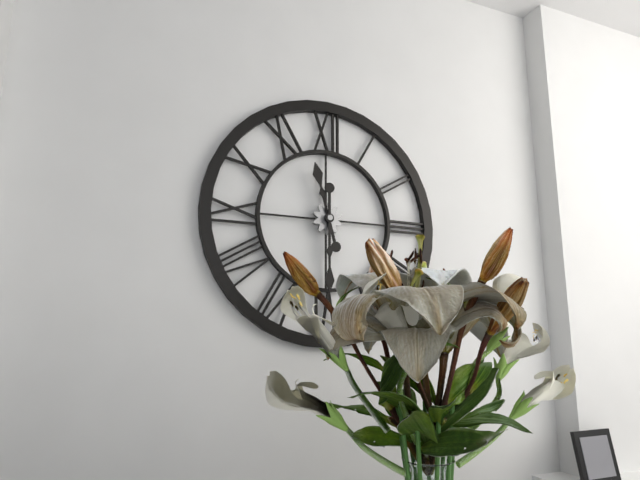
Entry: 11.30
